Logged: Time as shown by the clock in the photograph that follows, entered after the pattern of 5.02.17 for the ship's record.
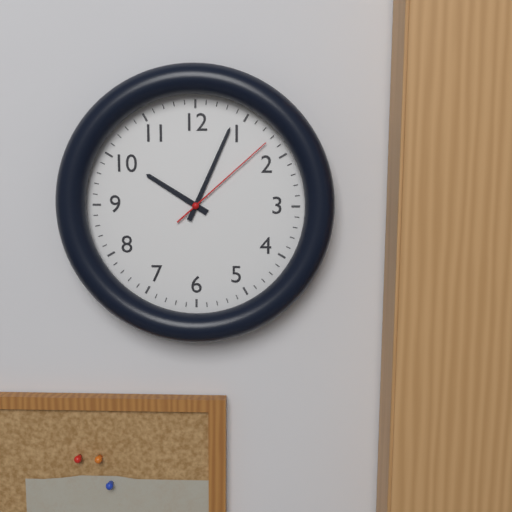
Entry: 10.04.08
